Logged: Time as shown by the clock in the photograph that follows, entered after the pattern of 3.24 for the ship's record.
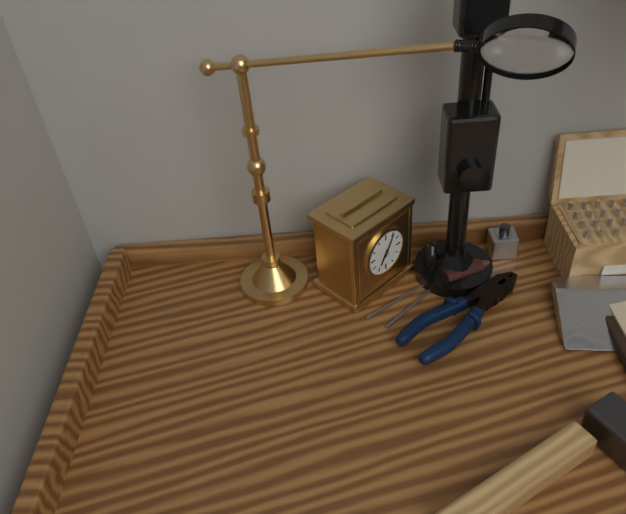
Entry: 7.05
